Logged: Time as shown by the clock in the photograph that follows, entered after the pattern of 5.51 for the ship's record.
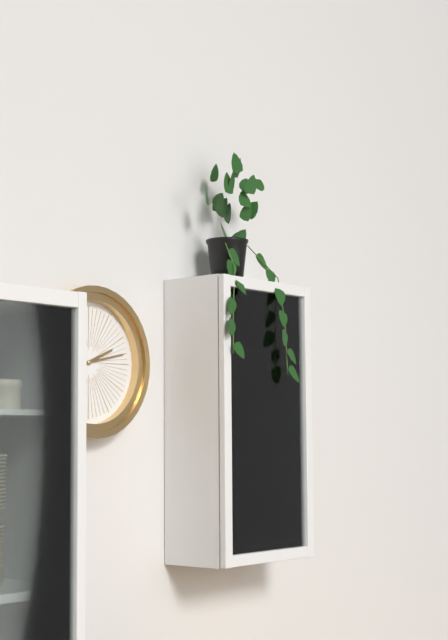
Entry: 2.13
